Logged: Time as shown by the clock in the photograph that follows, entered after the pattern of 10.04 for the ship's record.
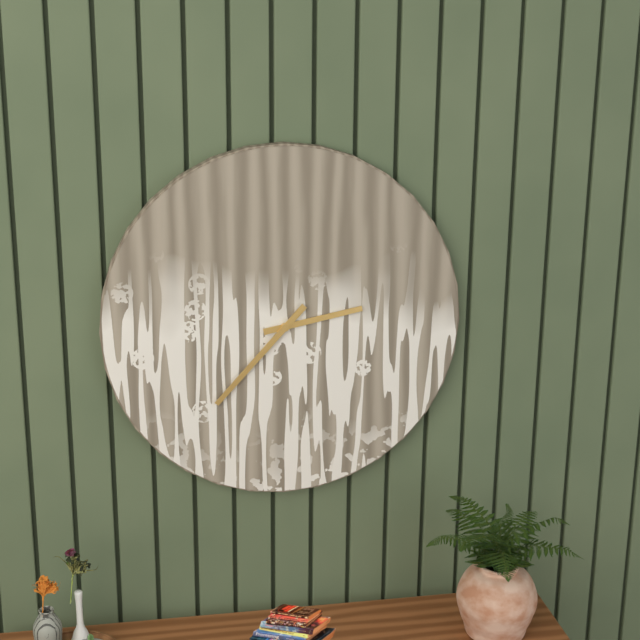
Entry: 2.37
